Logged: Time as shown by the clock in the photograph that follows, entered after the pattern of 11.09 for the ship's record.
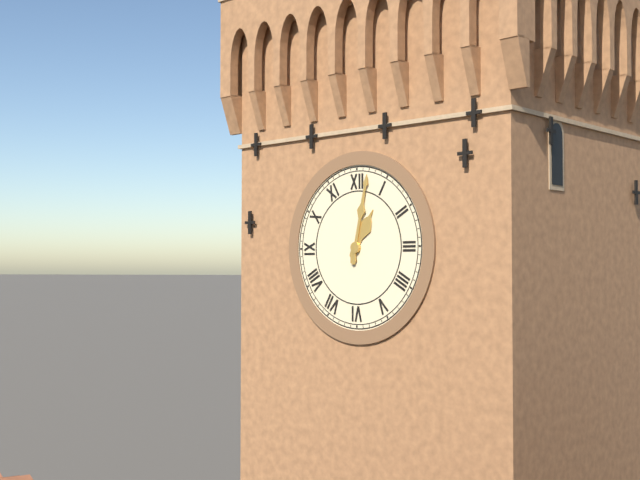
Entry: 1.02
